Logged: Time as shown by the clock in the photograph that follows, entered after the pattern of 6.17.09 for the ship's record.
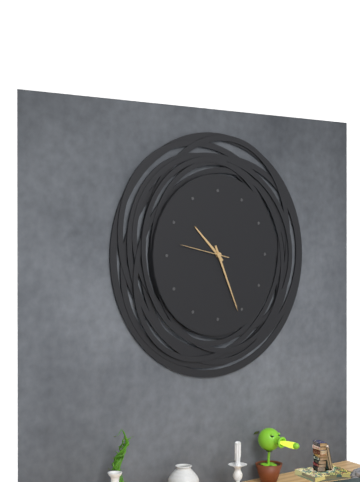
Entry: 10.26.47
